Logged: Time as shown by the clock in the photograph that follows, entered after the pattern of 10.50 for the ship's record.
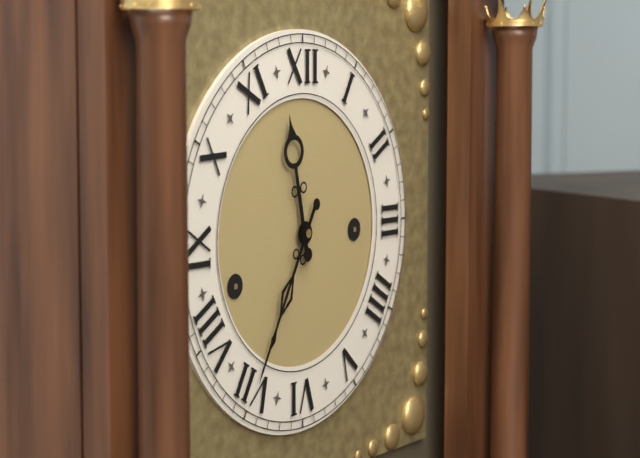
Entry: 11.35
